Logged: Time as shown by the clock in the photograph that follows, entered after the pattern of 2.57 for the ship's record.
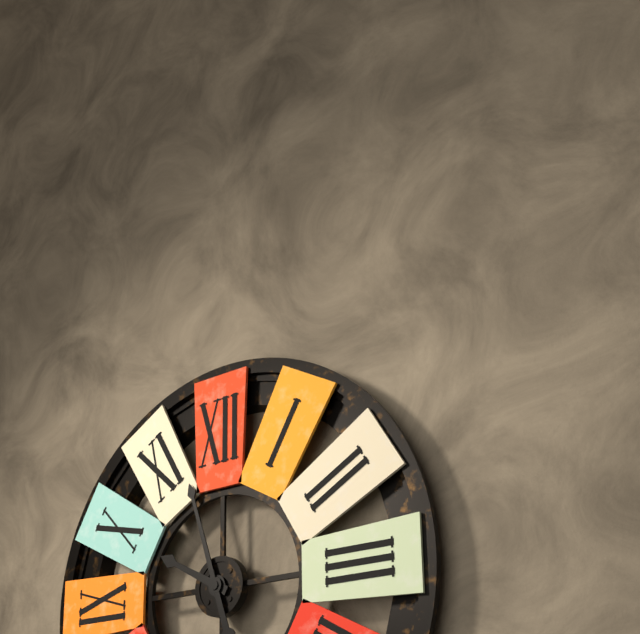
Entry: 9.57
